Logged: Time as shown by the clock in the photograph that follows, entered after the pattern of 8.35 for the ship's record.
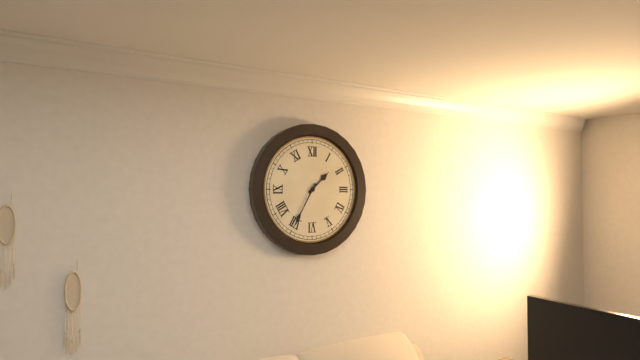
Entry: 1.35
